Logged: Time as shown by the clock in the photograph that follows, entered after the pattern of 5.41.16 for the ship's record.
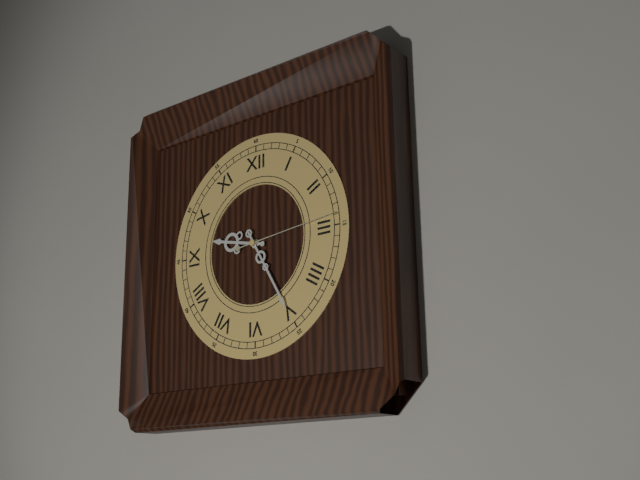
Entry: 9.25.14
